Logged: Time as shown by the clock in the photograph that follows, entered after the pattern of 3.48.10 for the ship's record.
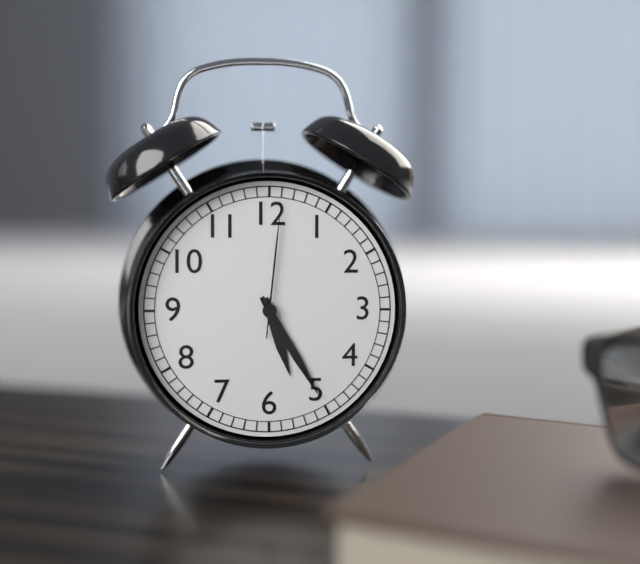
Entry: 5.25.01
